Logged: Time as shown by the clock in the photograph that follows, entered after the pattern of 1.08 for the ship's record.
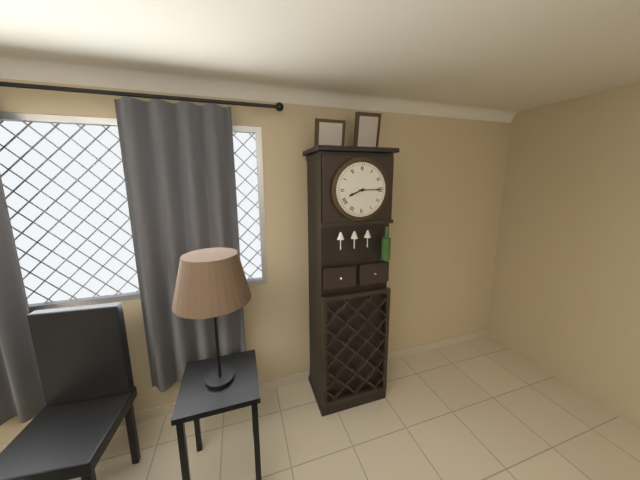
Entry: 8.15
